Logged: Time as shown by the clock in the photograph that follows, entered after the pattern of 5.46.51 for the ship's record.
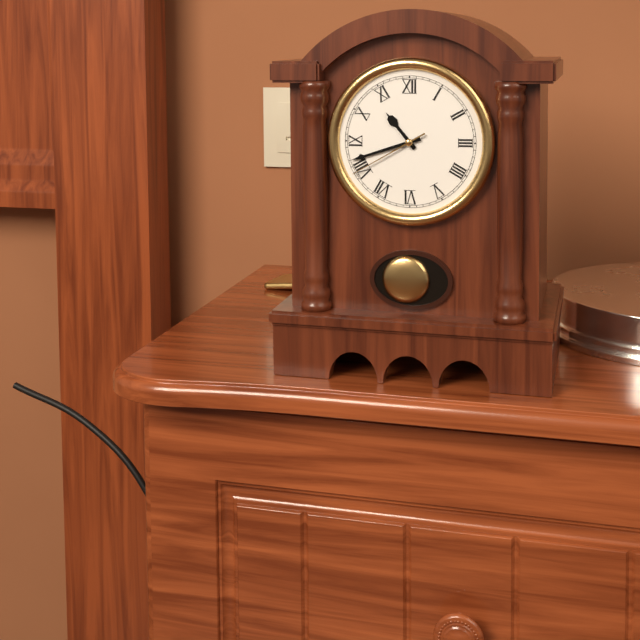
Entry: 10.42.40
